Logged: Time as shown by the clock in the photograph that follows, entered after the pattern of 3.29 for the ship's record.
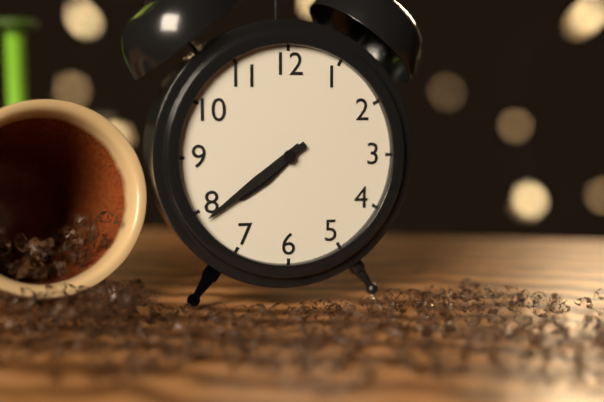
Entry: 7.39
